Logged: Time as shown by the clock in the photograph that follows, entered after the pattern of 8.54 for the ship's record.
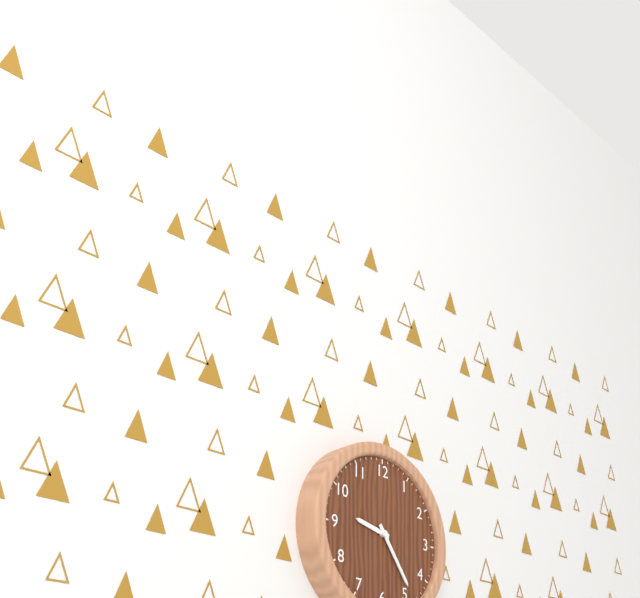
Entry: 9.24
